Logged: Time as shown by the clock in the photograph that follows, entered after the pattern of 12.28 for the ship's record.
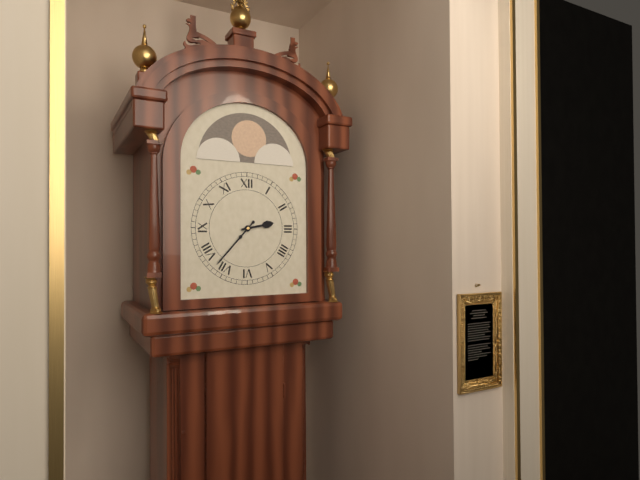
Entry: 2.37
